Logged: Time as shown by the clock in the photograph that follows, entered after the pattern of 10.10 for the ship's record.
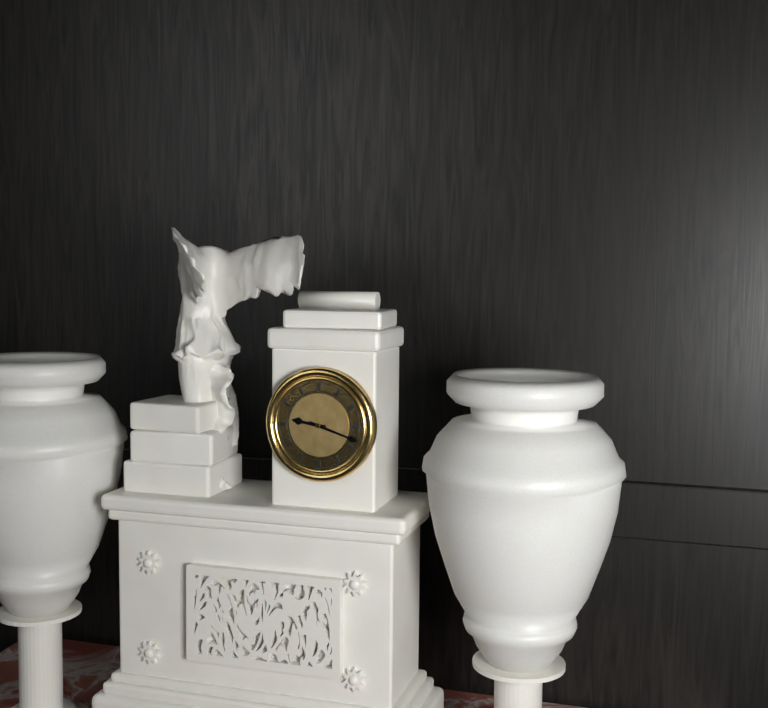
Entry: 9.18
